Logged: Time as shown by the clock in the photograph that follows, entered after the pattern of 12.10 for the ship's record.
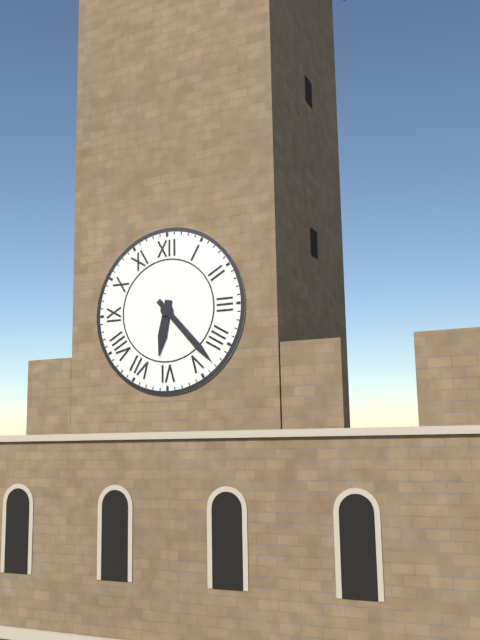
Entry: 6.23
